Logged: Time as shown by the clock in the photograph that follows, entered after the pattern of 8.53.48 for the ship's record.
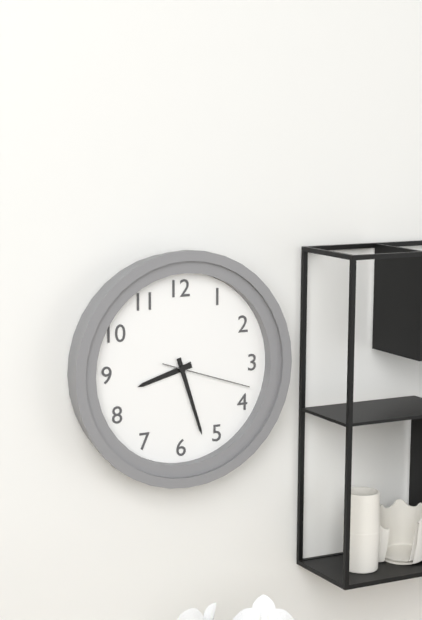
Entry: 8.27.18
